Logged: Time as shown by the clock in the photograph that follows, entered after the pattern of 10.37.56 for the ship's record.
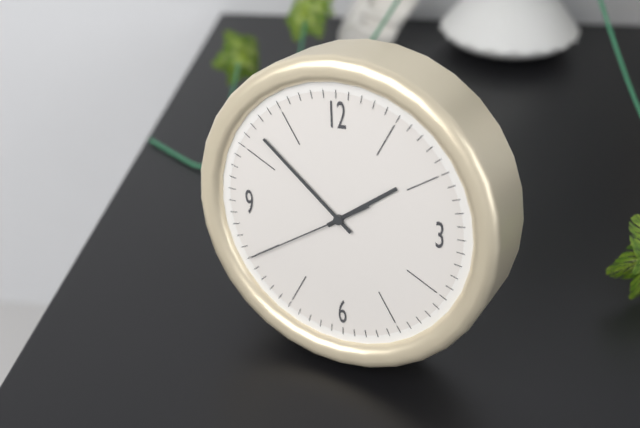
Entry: 1.52.40
